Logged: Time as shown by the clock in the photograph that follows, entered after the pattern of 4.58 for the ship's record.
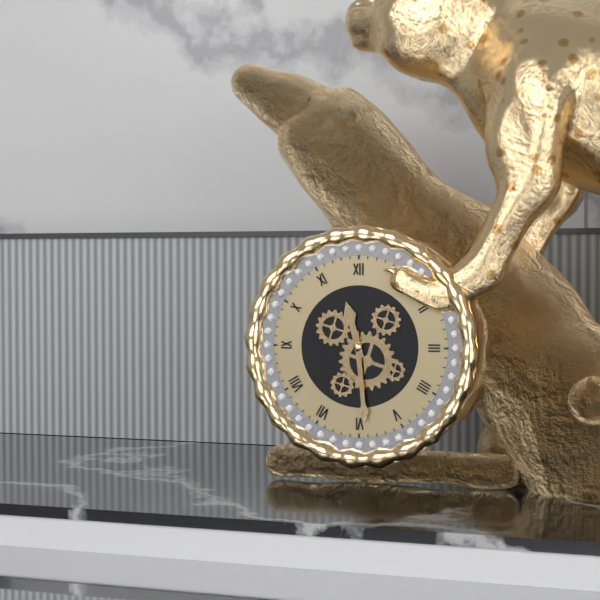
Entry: 11.29
